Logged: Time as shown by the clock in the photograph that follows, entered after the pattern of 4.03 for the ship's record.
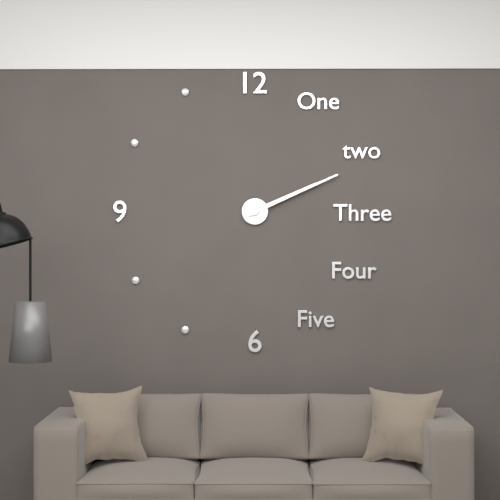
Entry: 2.11
